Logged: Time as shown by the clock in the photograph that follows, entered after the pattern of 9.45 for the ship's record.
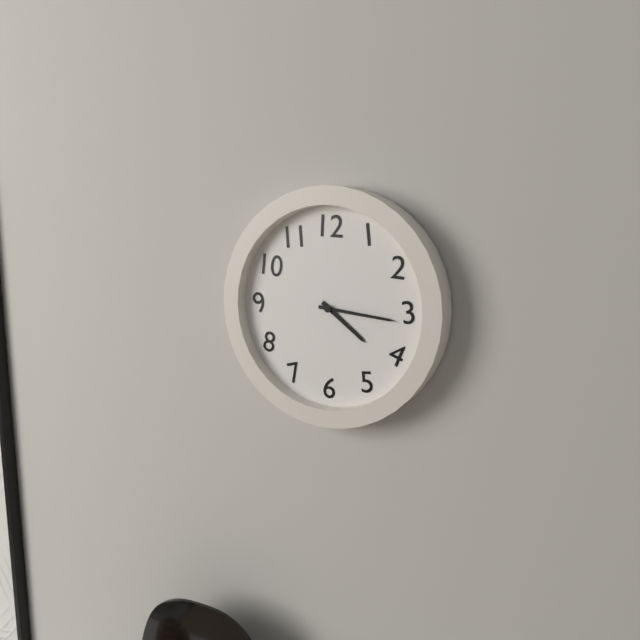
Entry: 4.16
